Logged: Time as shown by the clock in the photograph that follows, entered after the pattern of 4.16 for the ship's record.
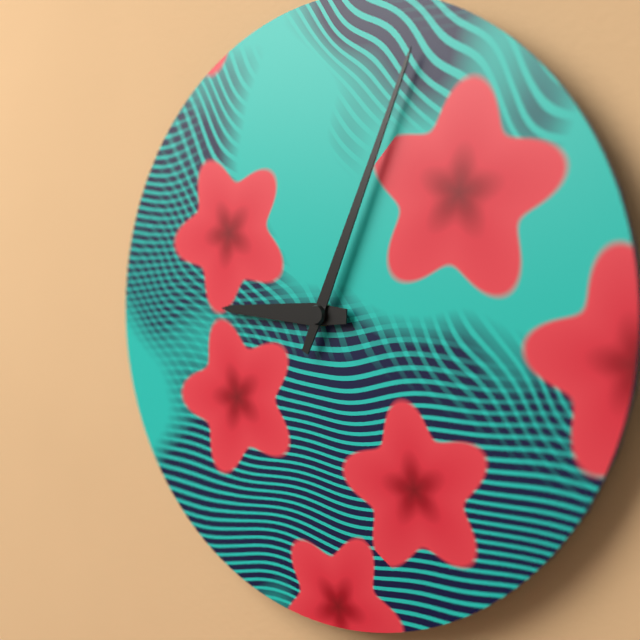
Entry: 9.04
